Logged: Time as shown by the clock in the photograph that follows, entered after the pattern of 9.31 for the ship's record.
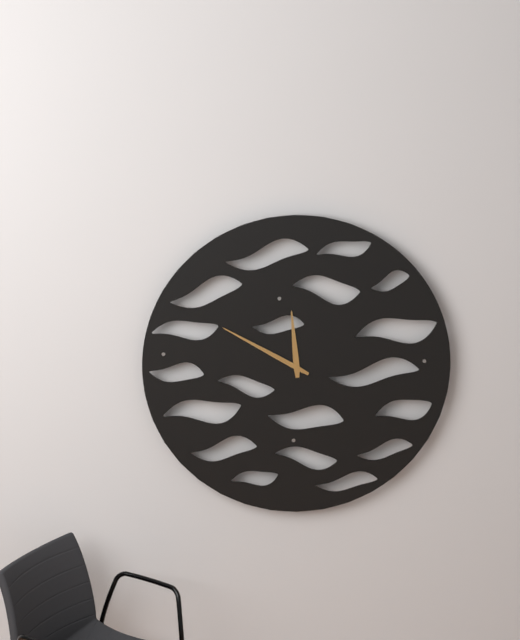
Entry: 11.50
